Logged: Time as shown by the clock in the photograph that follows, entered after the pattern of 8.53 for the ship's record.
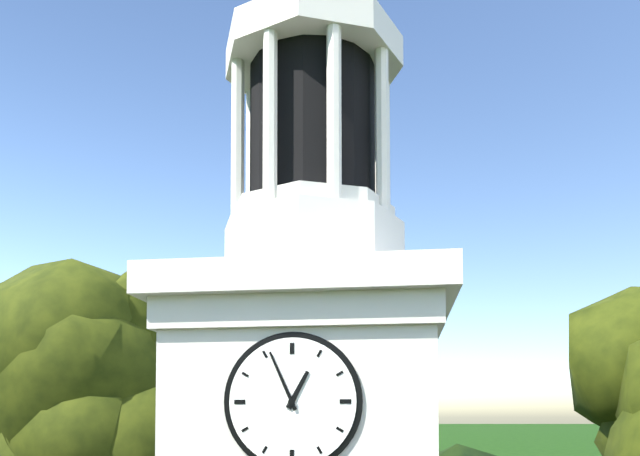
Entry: 12.56
